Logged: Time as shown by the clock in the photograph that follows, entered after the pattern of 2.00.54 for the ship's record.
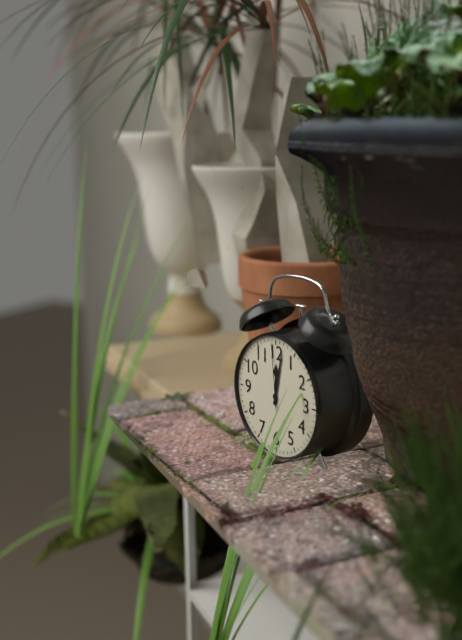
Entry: 12.02.59
